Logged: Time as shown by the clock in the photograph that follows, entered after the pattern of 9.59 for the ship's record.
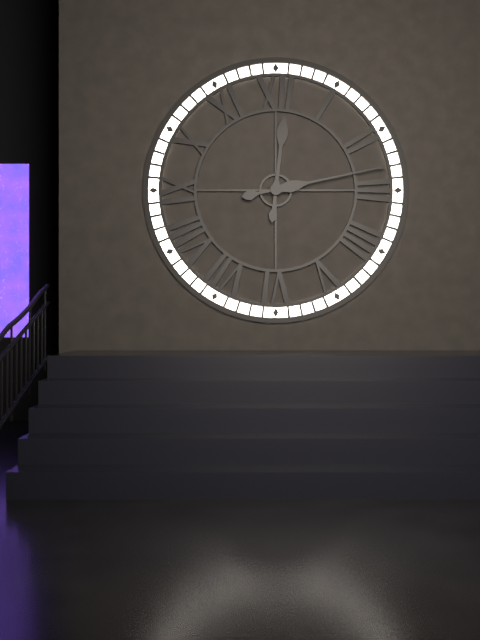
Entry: 12.13
